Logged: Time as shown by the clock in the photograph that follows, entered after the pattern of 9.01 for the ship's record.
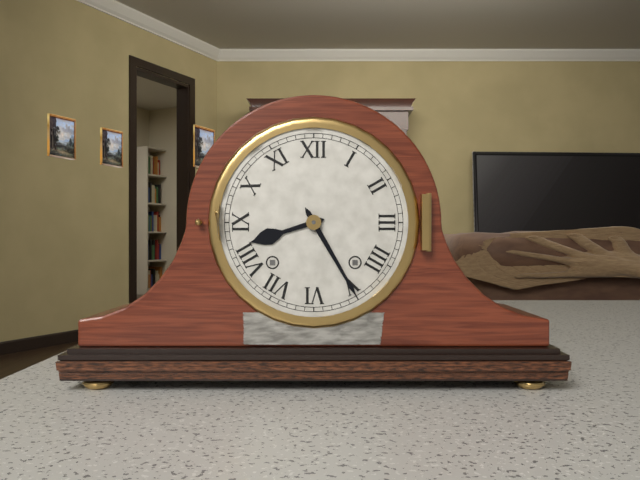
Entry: 8.25
